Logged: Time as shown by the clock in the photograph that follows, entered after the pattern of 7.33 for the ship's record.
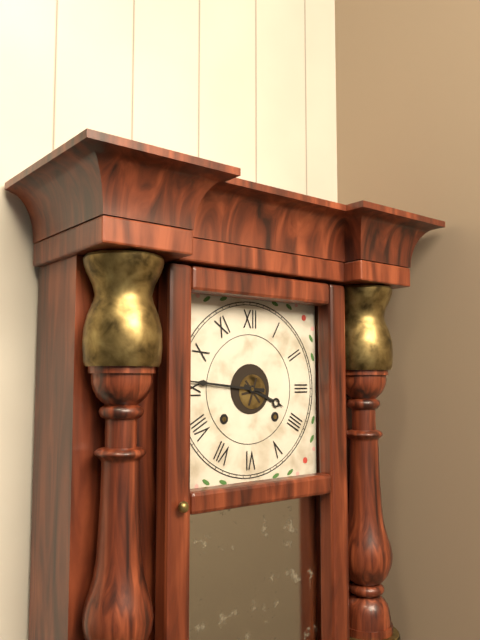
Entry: 3.46
